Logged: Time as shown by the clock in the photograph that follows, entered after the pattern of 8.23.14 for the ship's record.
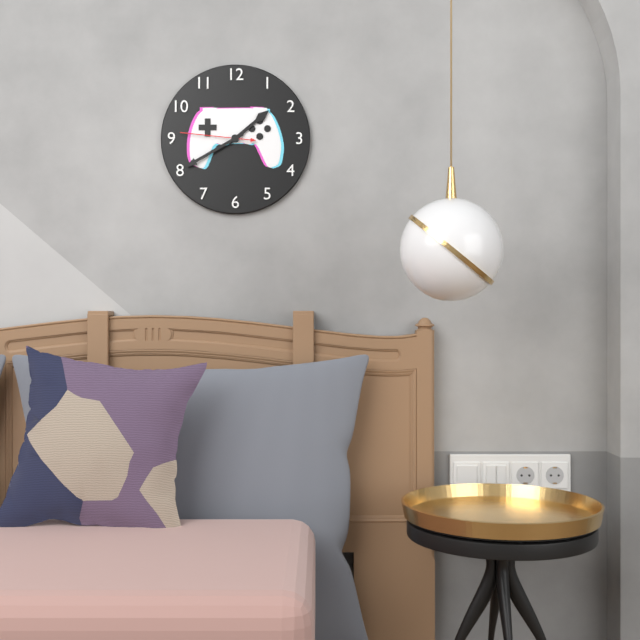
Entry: 1.40.46
